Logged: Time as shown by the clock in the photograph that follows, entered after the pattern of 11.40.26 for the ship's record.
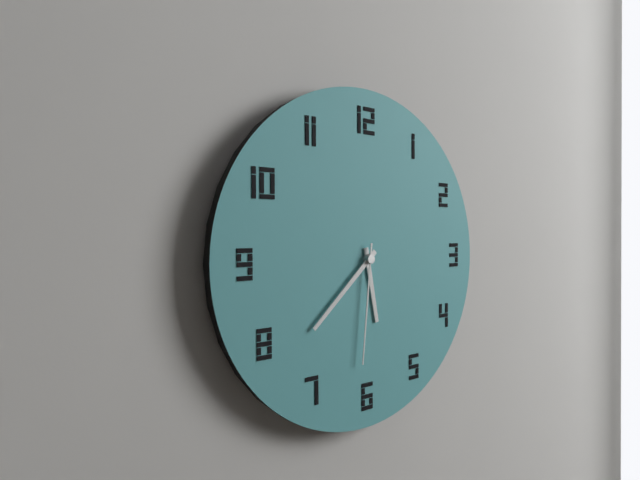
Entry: 5.38.31
